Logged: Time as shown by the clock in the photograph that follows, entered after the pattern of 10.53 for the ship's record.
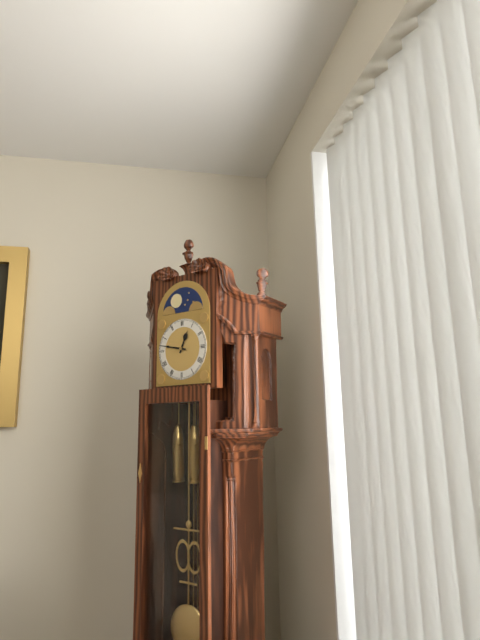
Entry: 12.47
